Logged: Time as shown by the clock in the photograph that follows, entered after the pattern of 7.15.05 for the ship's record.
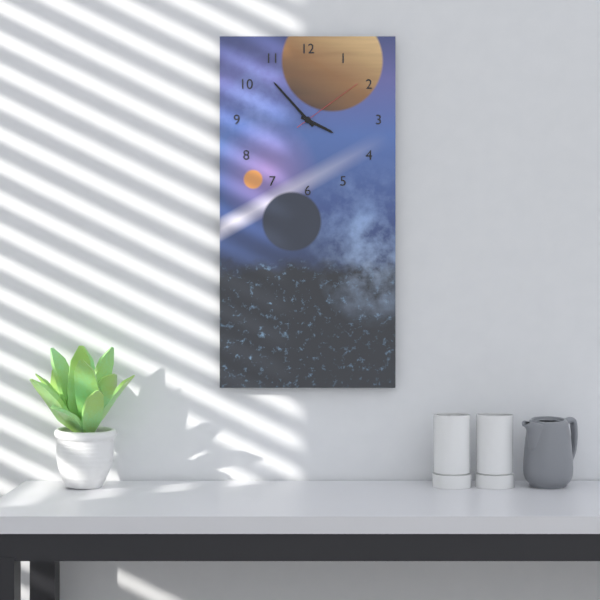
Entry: 3.53.09
